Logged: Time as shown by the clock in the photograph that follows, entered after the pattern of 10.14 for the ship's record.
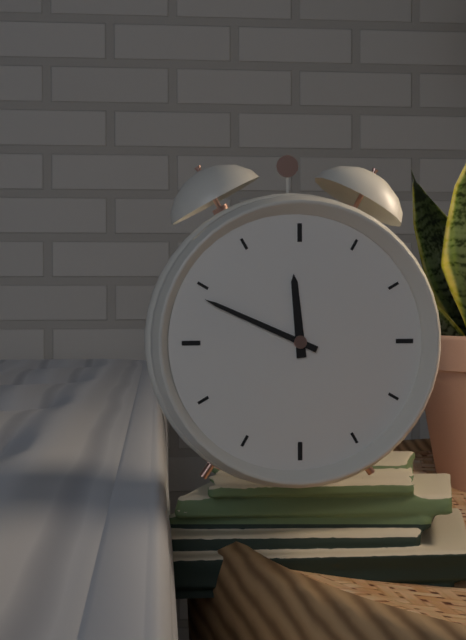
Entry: 11.49
